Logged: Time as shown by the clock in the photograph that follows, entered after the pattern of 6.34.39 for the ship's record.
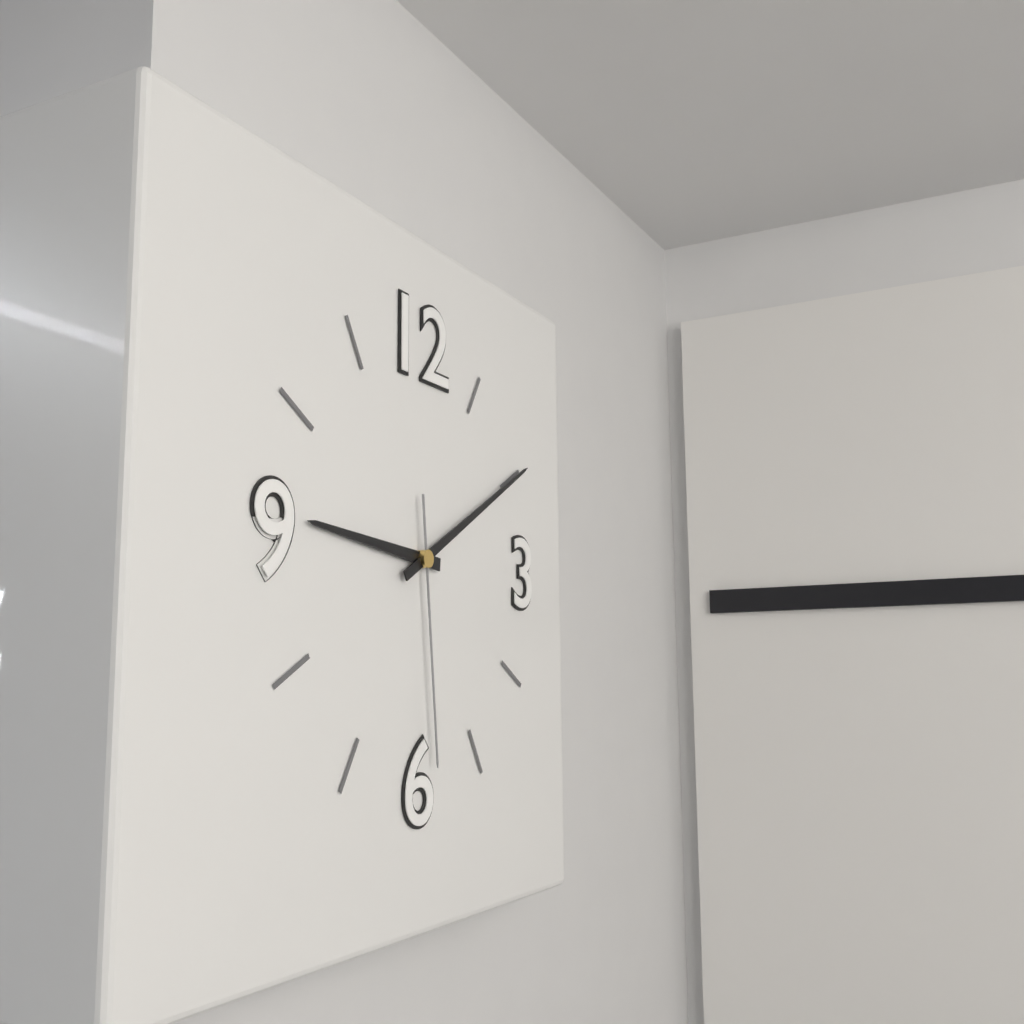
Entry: 9.10.29
